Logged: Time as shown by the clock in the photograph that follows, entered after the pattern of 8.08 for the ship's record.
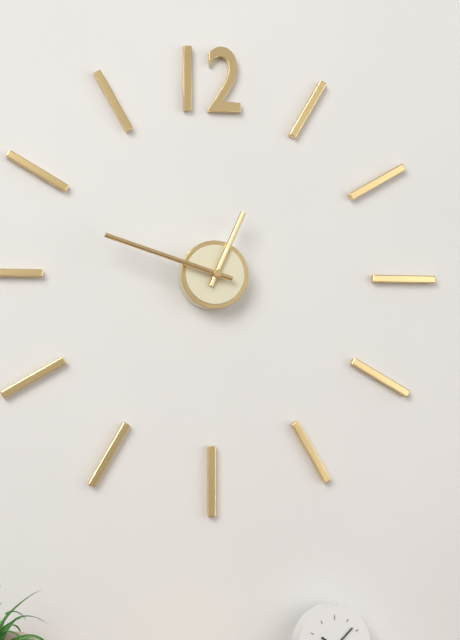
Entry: 12.48
